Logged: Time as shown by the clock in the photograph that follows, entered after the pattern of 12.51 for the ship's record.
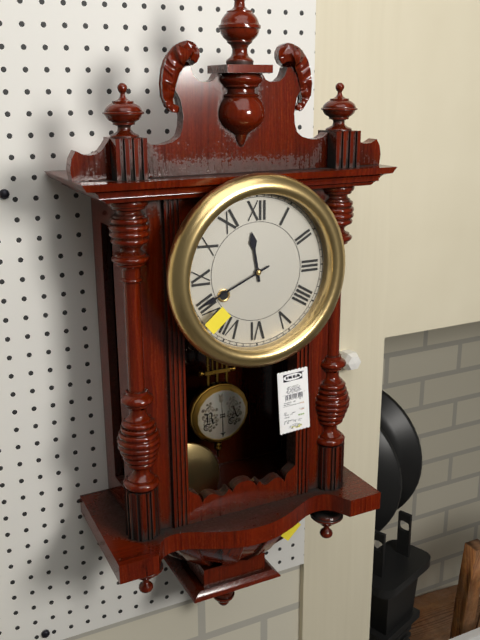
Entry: 11.41
